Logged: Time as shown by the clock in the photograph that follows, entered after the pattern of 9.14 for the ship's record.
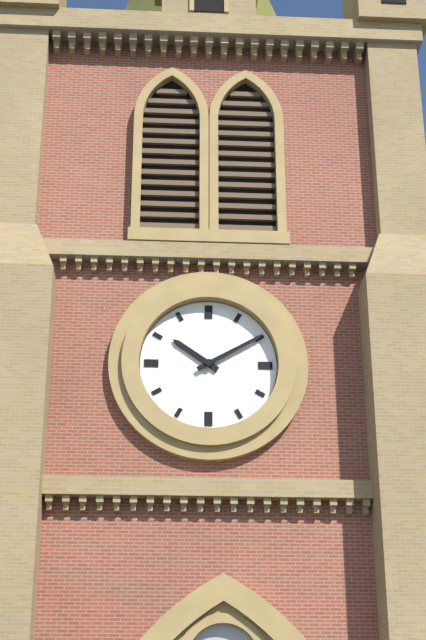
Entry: 10.10
